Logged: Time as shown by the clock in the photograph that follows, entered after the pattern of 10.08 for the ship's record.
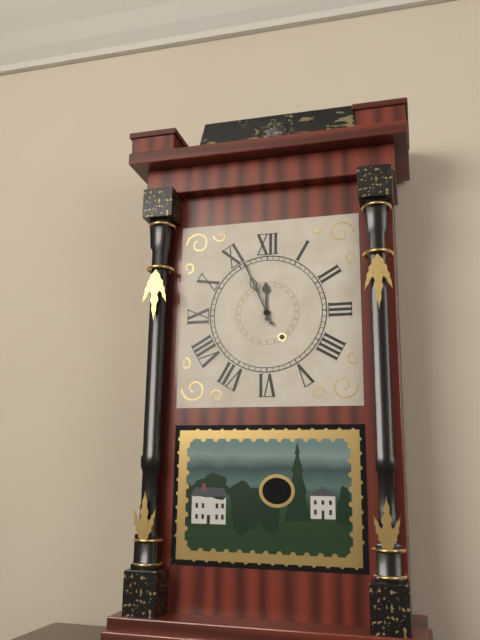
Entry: 11.56
